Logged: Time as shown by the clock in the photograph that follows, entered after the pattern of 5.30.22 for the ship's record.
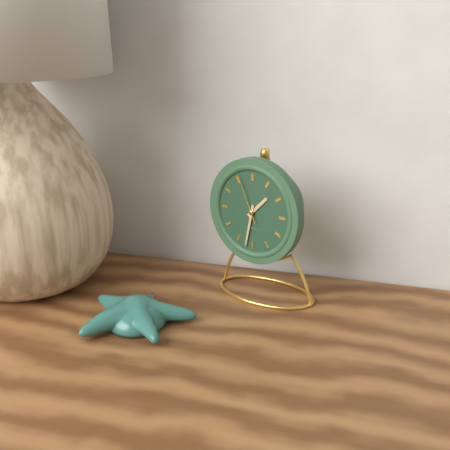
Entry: 1.32.56
